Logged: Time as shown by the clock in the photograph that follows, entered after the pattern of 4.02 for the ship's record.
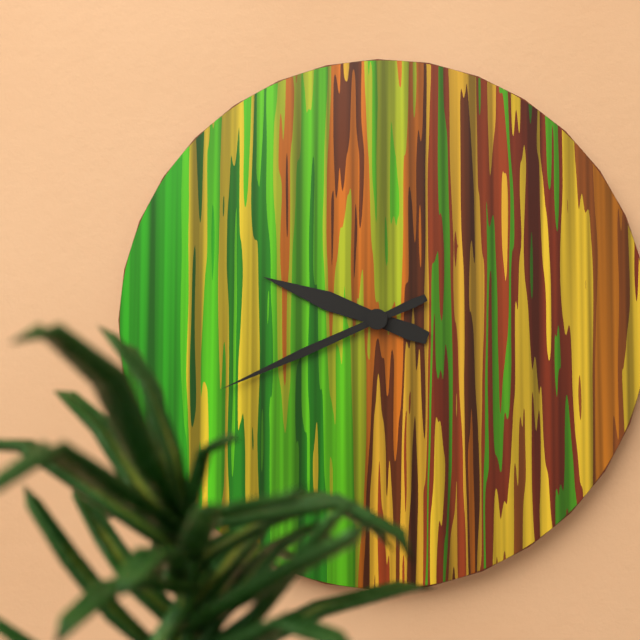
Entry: 9.41
